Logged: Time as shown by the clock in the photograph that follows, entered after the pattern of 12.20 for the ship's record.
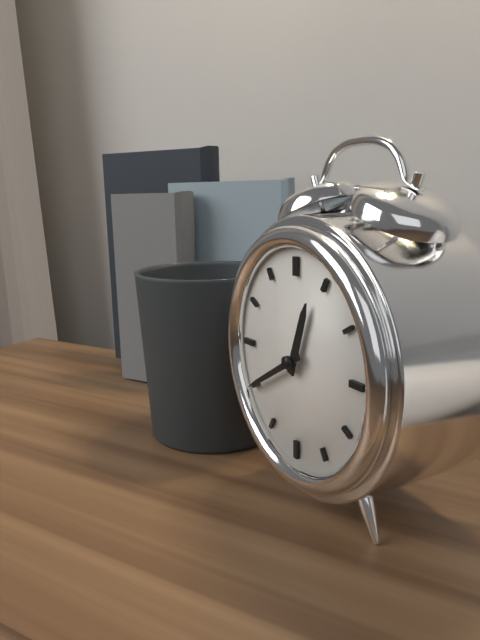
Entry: 12.40
